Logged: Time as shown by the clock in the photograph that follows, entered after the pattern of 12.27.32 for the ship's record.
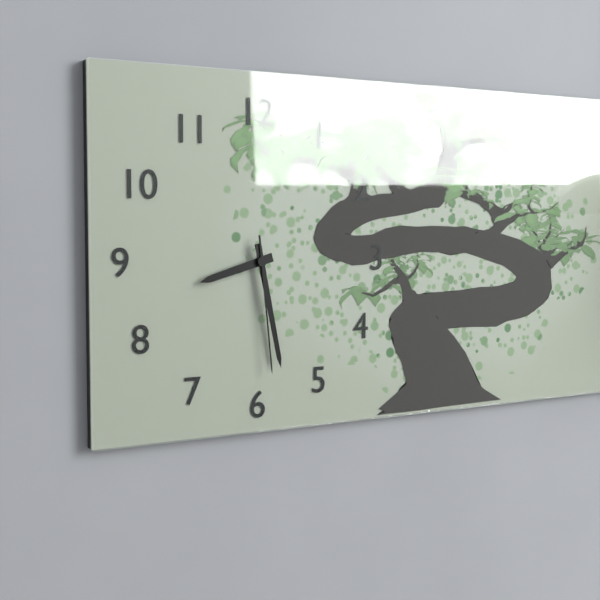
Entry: 8.28.29
